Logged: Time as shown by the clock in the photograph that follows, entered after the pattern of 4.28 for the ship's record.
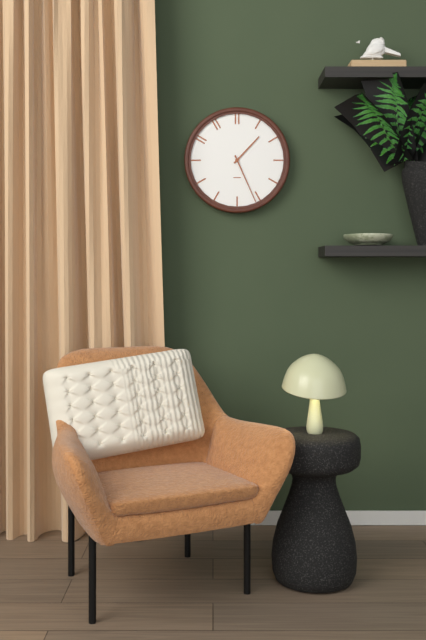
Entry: 1.26
